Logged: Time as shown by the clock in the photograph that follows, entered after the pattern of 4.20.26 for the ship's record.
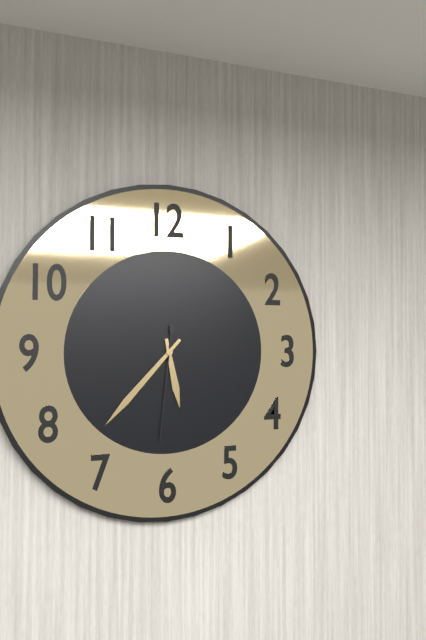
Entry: 5.37.31
